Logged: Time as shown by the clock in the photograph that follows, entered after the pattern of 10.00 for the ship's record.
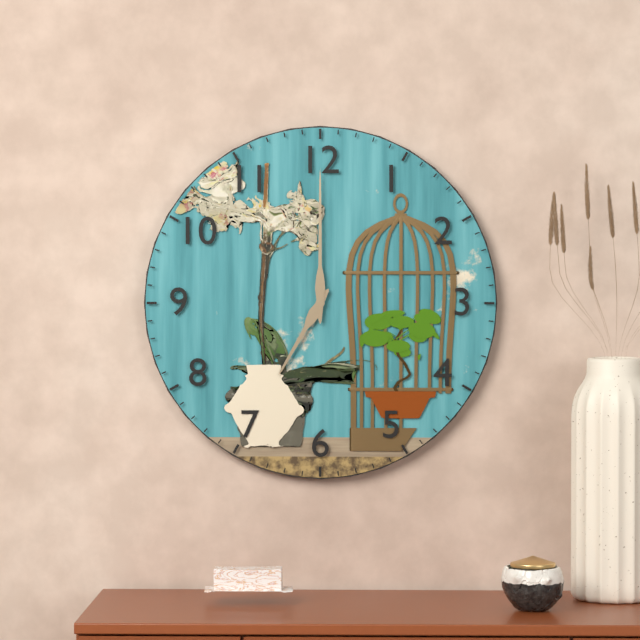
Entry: 7.00
